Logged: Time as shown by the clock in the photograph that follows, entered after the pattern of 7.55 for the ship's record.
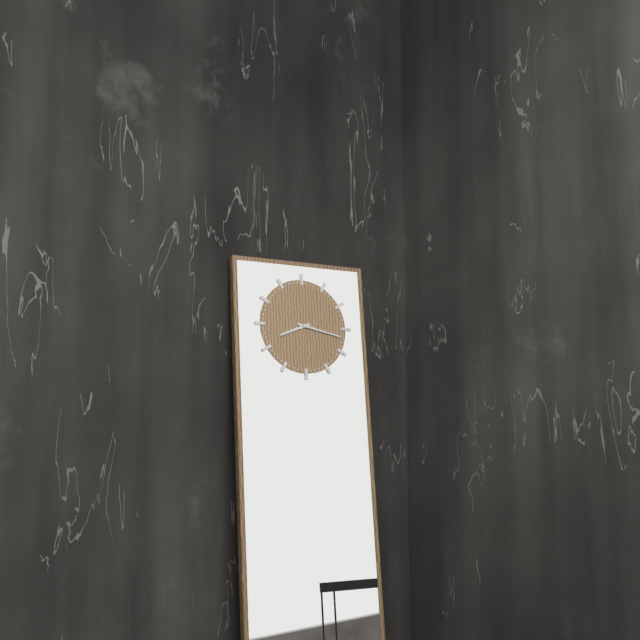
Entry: 8.17
